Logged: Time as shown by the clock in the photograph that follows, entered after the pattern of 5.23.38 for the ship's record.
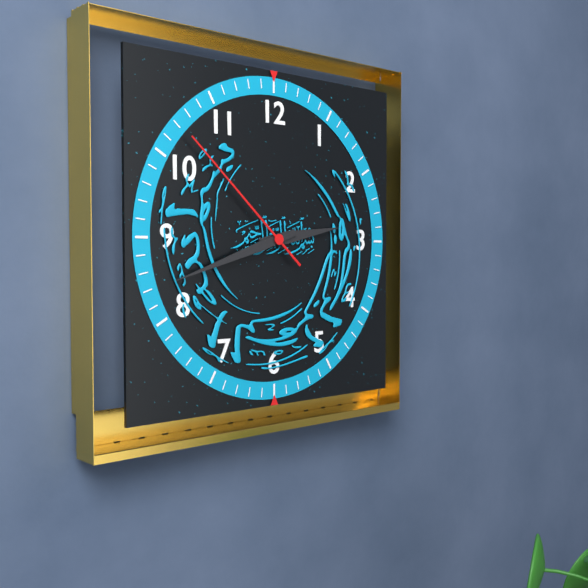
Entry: 2.42.52
